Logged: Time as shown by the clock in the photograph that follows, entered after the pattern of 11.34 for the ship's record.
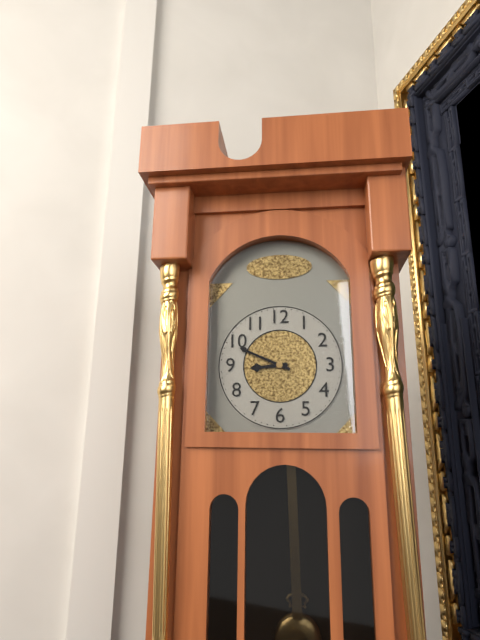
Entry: 8.49
